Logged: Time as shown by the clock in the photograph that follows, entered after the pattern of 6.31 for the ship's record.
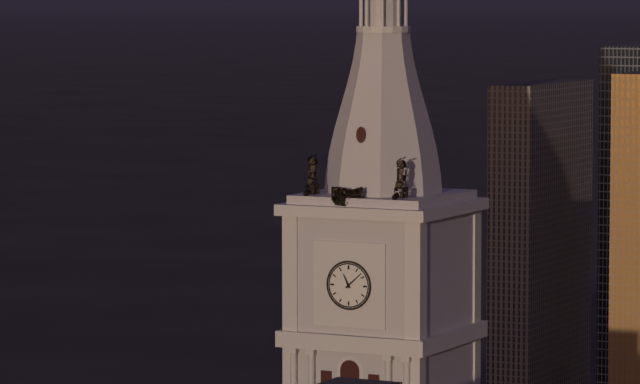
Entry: 11.08
